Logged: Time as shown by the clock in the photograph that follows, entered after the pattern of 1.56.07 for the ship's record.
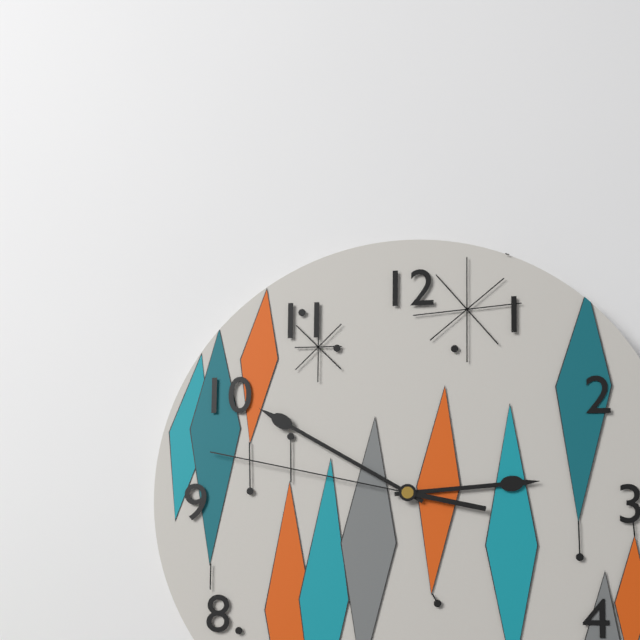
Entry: 2.50.47
